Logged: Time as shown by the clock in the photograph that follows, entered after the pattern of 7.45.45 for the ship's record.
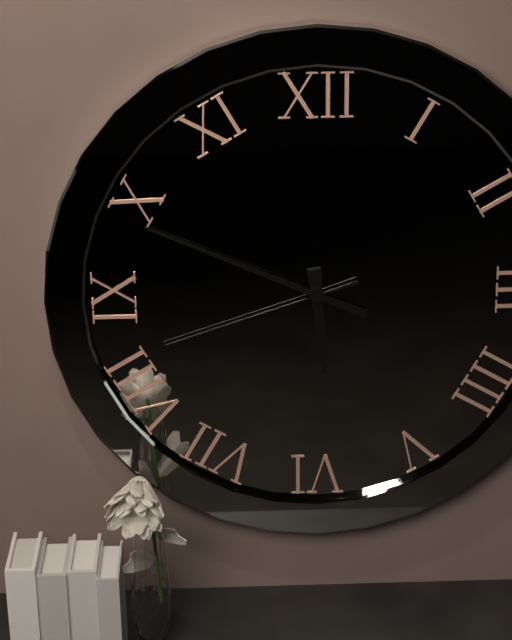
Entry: 5.49.42
